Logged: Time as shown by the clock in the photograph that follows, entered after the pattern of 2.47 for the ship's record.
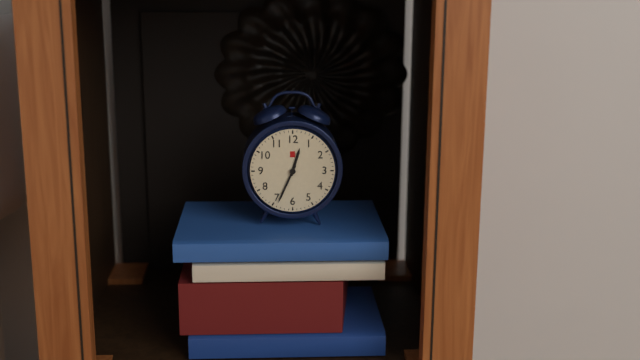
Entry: 12.34
